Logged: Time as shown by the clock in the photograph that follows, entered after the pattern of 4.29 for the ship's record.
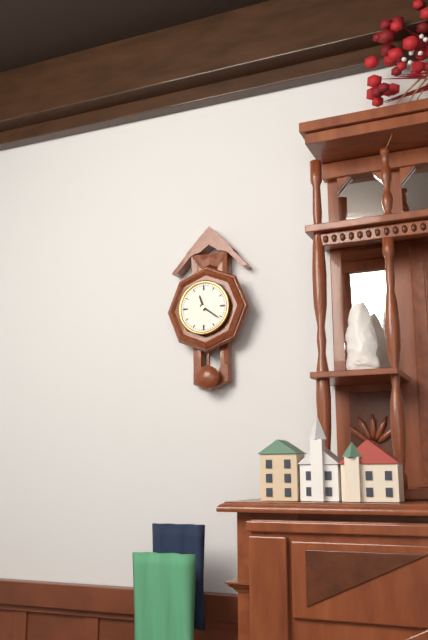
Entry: 11.21
